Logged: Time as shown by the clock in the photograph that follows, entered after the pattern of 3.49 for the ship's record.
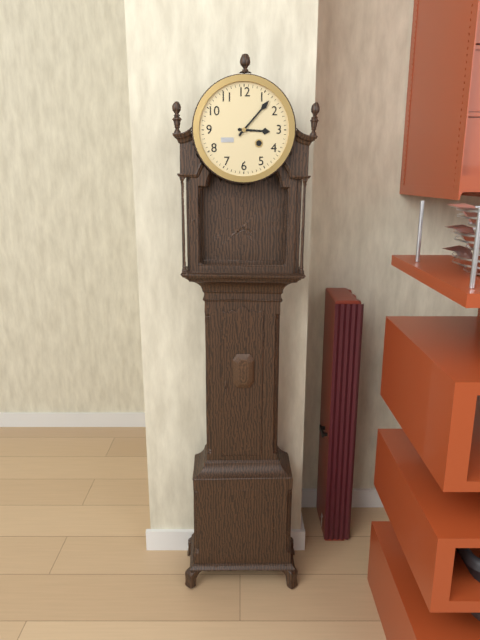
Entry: 3.07
